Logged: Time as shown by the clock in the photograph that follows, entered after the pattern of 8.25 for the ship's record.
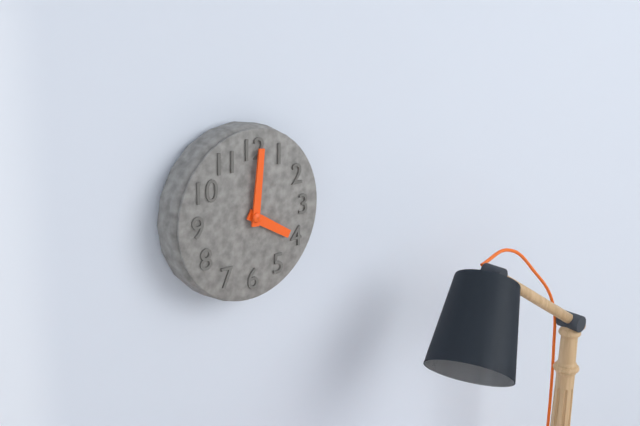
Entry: 4.01
